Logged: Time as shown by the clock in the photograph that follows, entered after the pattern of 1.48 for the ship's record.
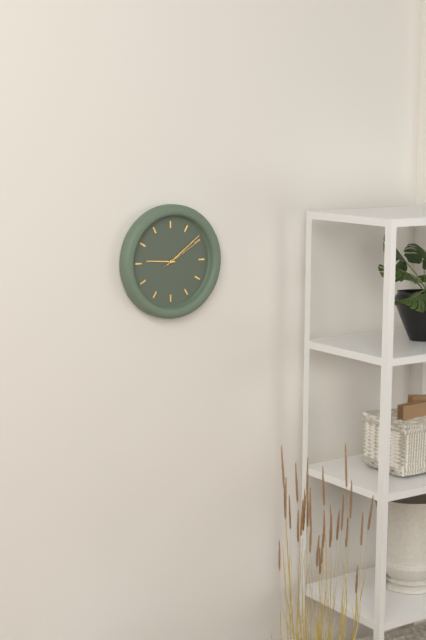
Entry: 9.09
